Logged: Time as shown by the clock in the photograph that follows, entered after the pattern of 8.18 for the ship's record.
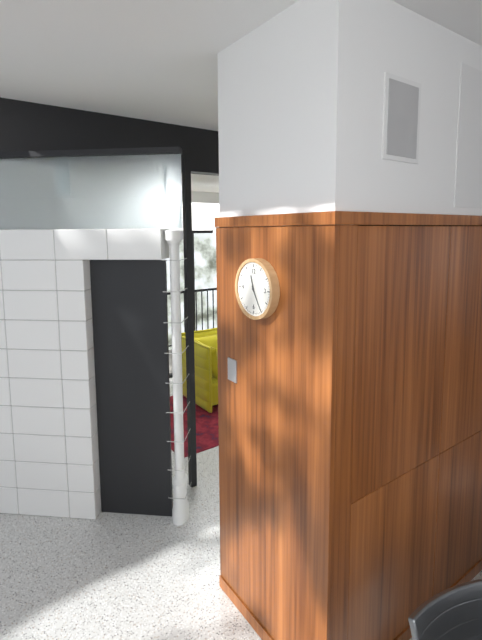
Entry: 11.25
